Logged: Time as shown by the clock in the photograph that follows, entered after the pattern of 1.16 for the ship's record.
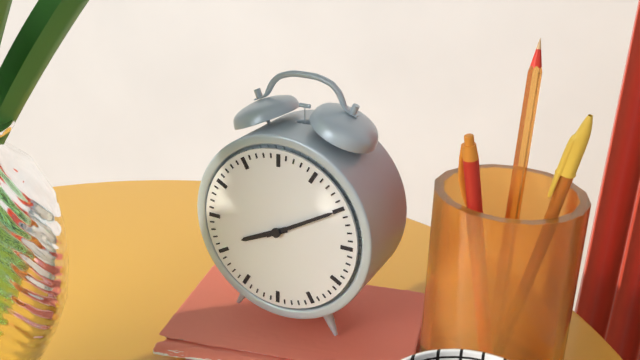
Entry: 8.10
